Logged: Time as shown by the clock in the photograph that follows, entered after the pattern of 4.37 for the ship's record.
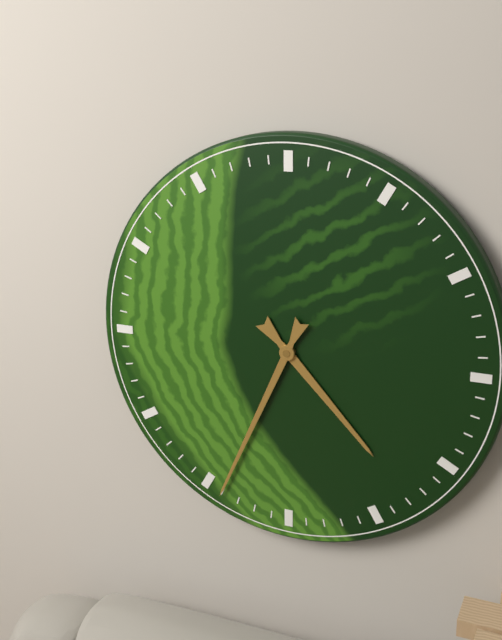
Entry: 4.34
